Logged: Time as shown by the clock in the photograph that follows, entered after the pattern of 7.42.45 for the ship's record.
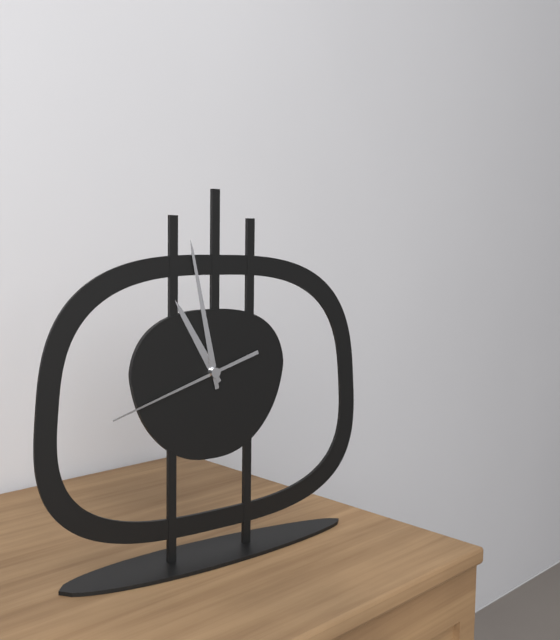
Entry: 10.58.42
